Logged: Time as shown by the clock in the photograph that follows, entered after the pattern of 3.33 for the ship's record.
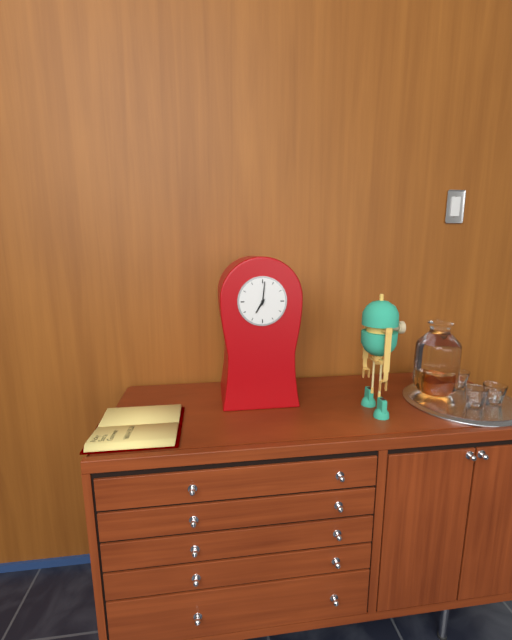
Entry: 7.01
